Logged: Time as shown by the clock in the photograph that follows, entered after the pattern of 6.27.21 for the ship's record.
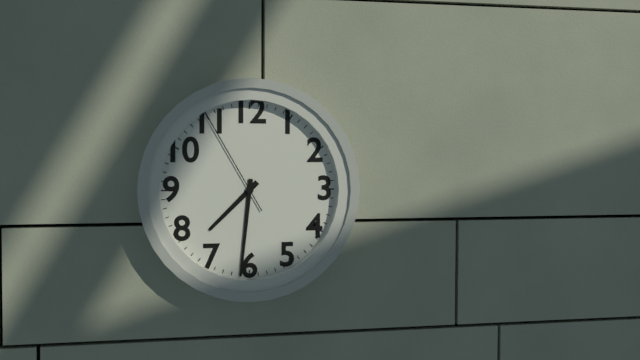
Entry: 7.31.55
